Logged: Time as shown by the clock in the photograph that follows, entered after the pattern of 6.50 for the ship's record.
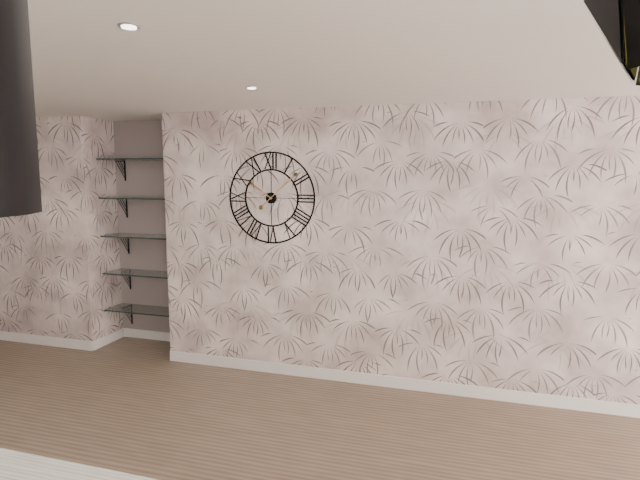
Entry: 10.08
